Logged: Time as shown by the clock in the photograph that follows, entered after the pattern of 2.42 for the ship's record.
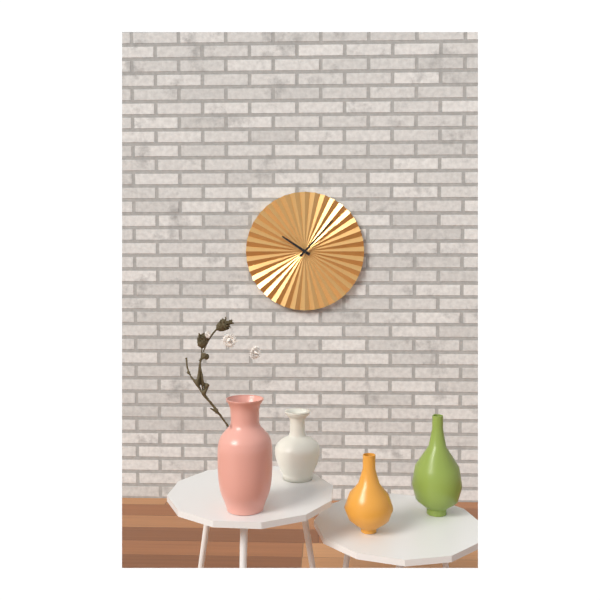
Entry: 10.07
